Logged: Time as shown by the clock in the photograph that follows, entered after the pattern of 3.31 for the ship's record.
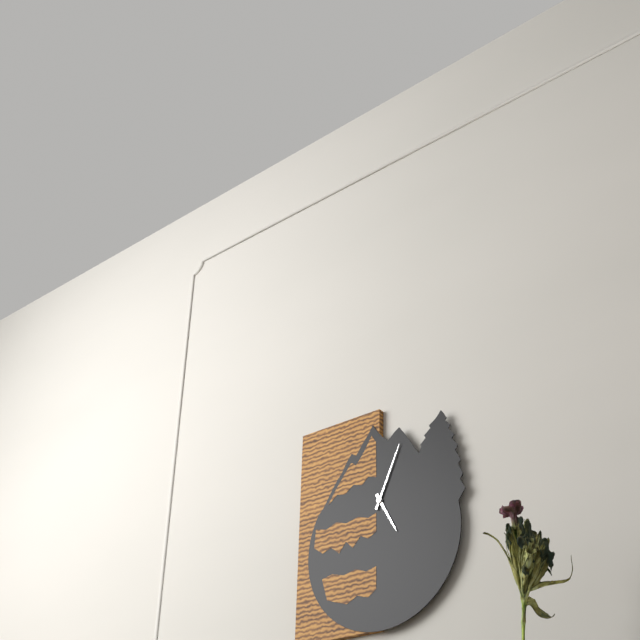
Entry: 5.04
